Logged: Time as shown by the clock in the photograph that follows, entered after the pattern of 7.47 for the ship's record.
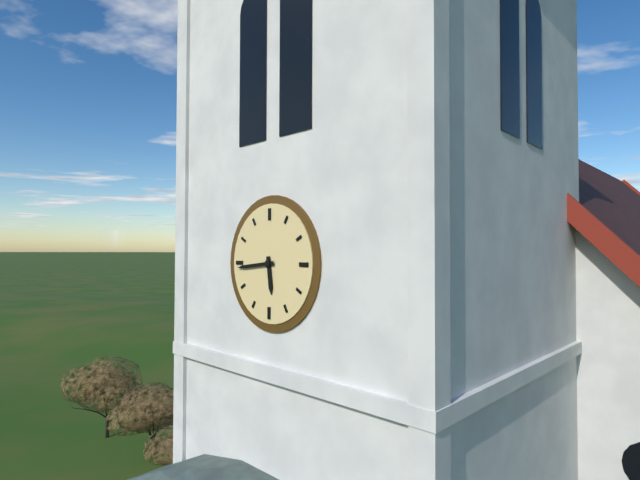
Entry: 5.44
